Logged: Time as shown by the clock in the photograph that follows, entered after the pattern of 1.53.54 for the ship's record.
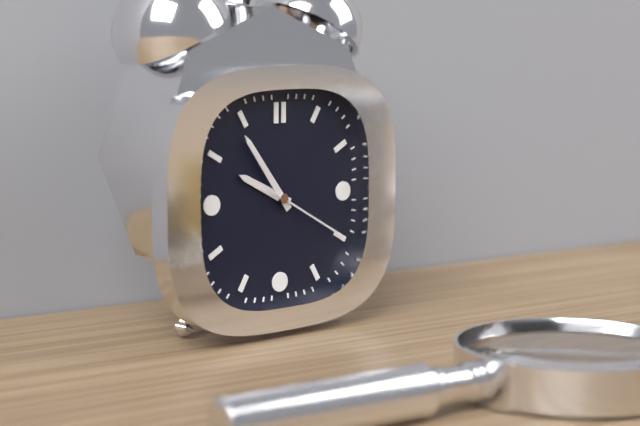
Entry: 9.54.20
